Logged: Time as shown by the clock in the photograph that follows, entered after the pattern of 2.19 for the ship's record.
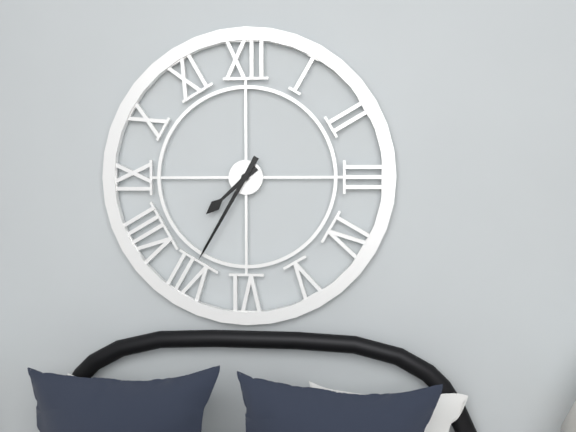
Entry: 7.35
